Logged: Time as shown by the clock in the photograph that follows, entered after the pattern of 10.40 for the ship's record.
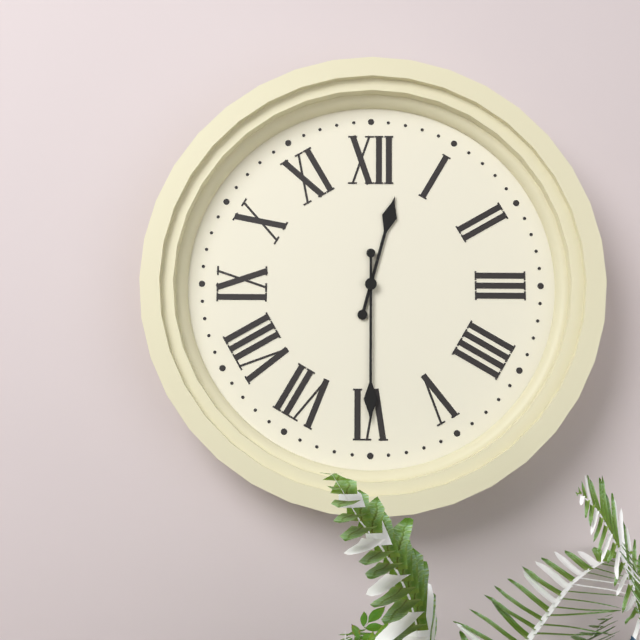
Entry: 12.30
